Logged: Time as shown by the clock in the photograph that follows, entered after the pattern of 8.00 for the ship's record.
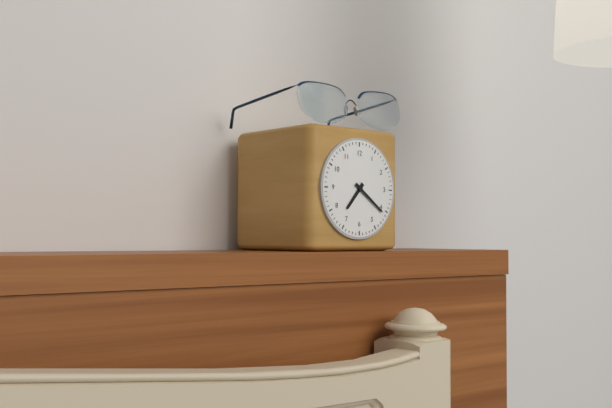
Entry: 7.21
